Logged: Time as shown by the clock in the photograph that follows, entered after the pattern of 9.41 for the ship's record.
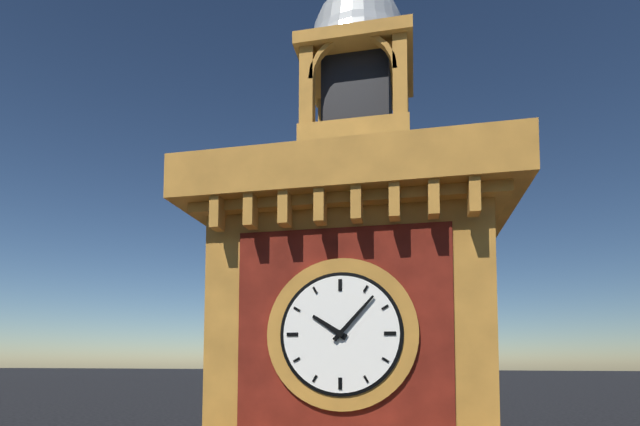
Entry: 10.07
